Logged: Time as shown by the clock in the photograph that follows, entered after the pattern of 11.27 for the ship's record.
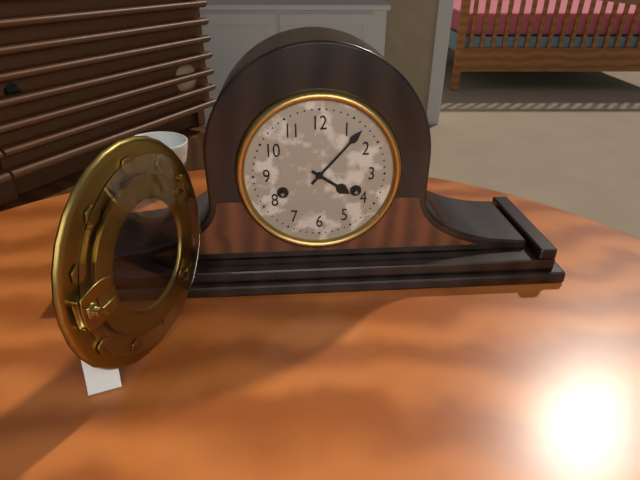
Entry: 4.07
